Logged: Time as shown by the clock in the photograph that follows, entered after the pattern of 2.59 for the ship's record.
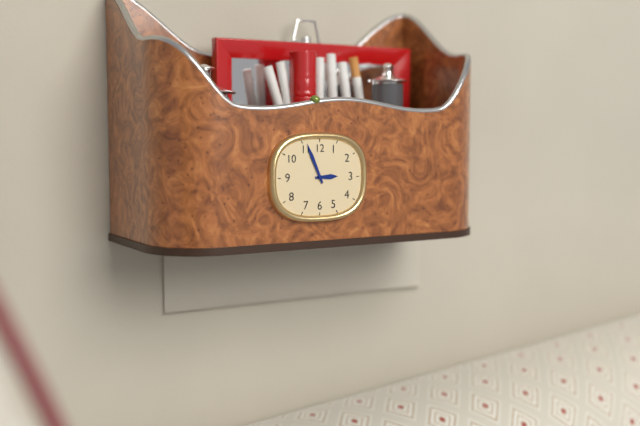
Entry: 2.56
